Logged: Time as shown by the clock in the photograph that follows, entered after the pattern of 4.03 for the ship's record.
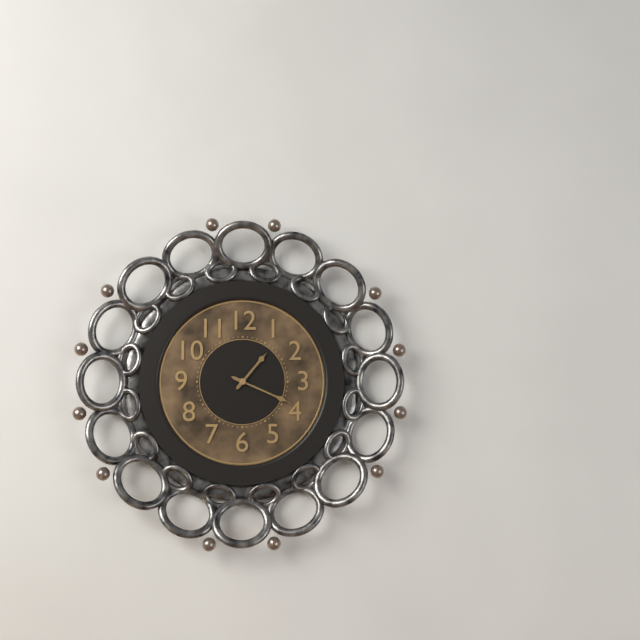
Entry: 1.19
